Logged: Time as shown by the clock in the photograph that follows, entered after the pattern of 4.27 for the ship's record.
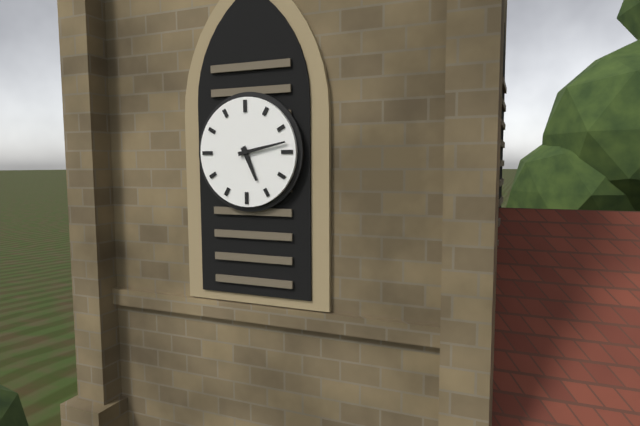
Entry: 5.13
